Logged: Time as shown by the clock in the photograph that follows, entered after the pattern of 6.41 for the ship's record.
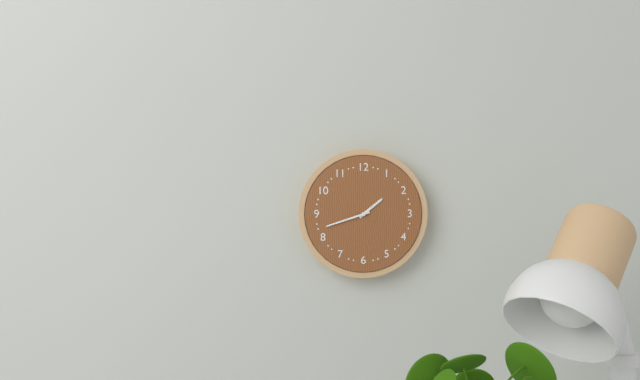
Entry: 1.42
